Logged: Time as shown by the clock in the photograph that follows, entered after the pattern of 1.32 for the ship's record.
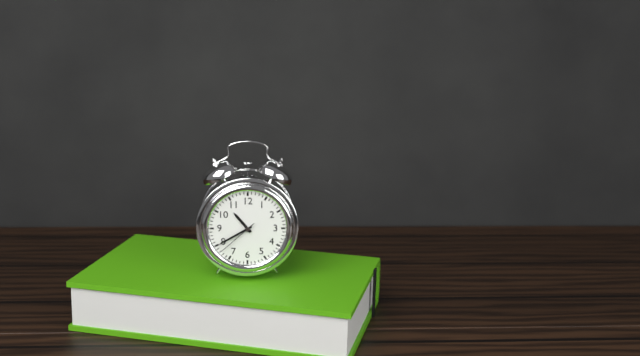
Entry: 10.40
